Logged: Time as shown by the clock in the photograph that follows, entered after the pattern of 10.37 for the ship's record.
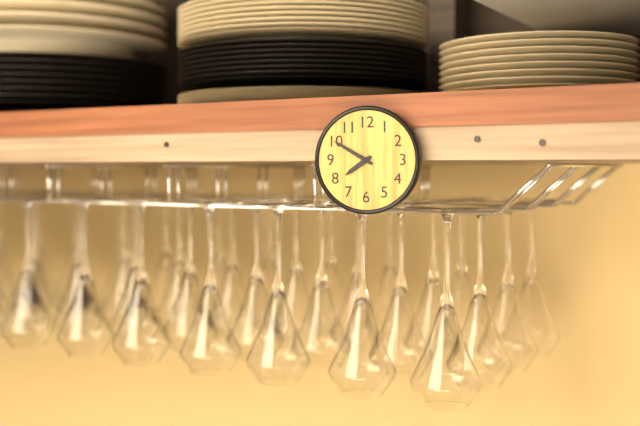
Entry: 7.50
